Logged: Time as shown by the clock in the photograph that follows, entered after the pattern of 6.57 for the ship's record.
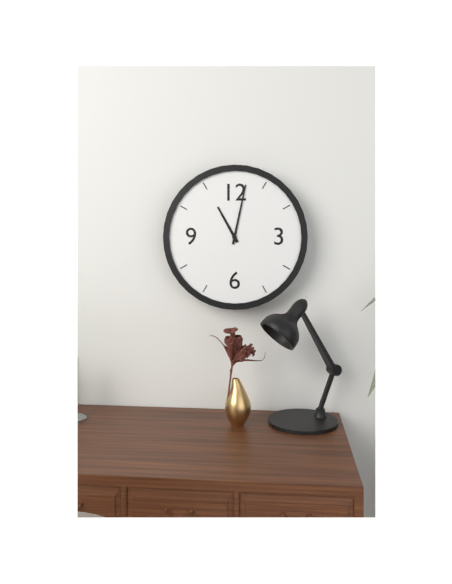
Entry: 11.02
